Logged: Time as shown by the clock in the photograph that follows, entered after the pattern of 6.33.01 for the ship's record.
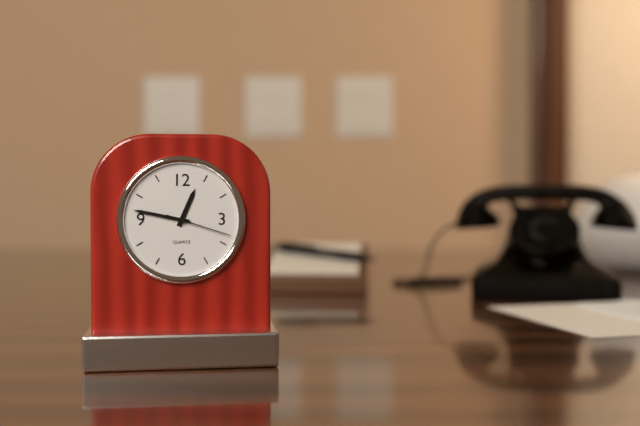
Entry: 12.47.18
